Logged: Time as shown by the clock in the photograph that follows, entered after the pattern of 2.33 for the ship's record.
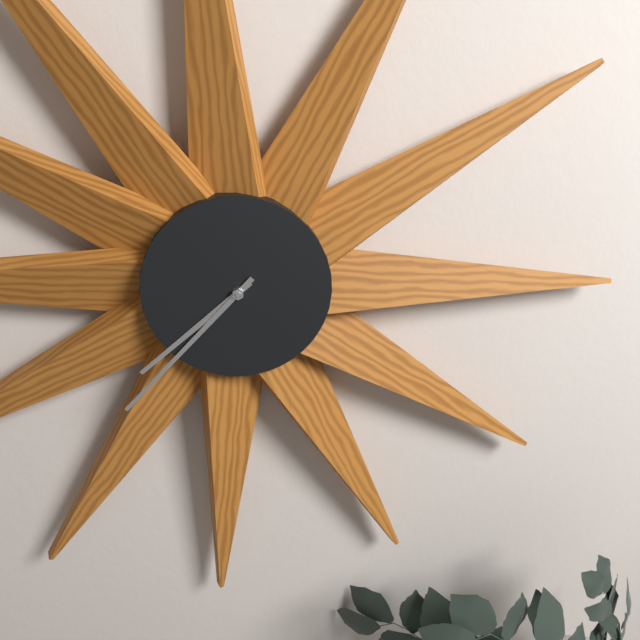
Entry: 7.37
